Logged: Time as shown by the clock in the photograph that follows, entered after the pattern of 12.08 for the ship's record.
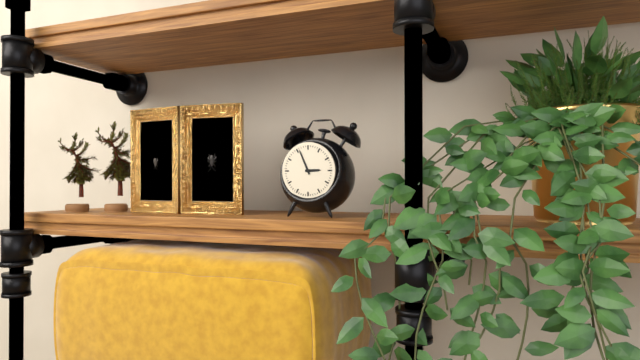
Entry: 2.56
